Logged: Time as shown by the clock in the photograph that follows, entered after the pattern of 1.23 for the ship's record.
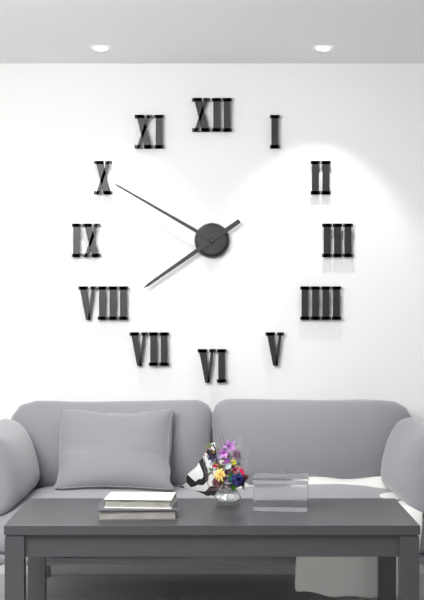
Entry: 7.50
